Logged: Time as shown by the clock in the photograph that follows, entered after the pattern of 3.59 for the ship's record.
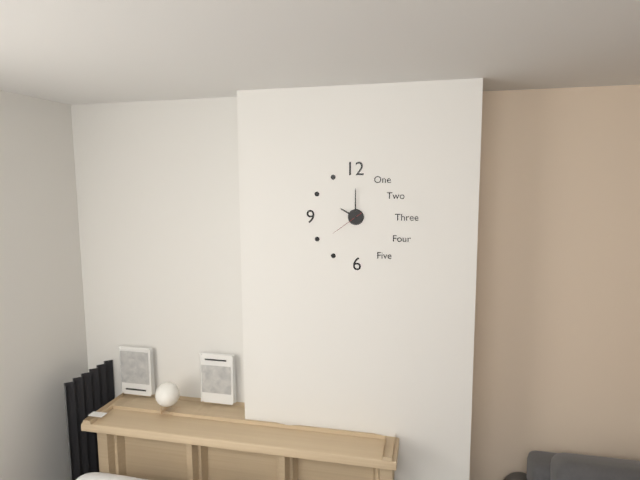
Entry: 10.00
